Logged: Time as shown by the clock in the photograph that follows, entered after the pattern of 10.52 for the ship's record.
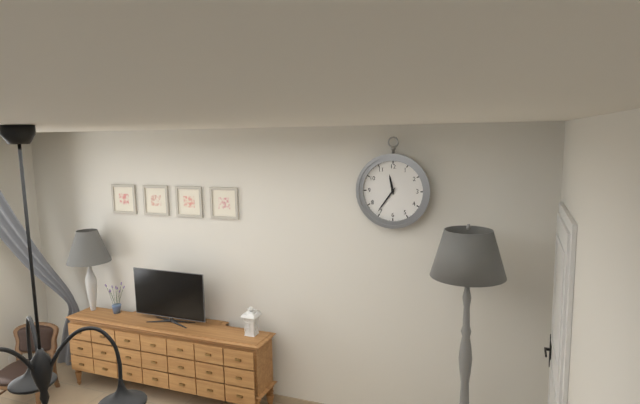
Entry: 11.36
